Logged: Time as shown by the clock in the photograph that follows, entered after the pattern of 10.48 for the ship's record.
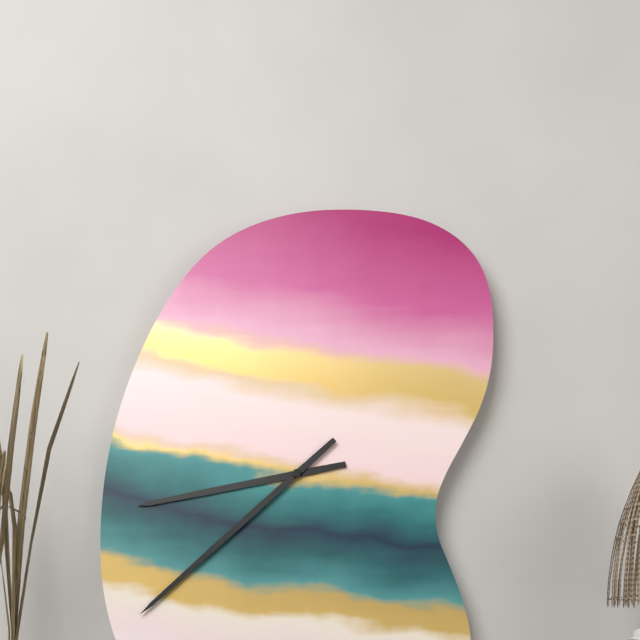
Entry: 8.38
